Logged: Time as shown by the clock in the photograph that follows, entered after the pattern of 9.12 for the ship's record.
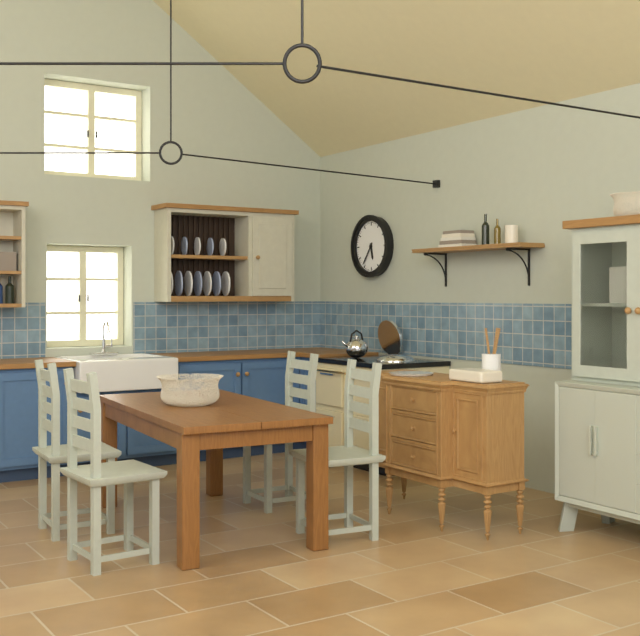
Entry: 5.36
